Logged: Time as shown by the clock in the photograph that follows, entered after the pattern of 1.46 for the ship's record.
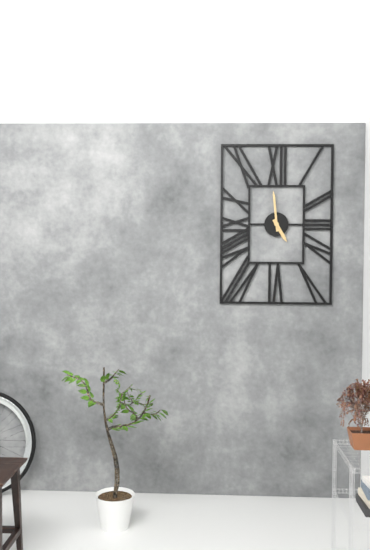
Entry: 4.59
